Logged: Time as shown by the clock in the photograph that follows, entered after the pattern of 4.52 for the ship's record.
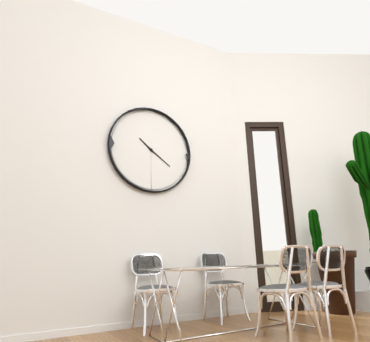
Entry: 10.21
